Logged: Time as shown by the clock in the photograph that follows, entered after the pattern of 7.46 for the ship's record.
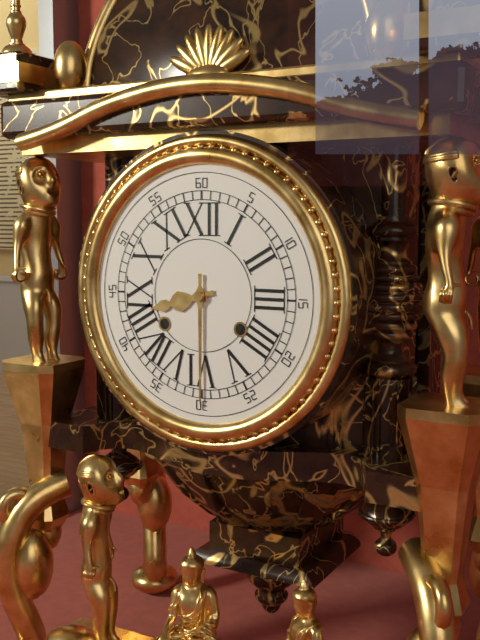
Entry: 8.30
